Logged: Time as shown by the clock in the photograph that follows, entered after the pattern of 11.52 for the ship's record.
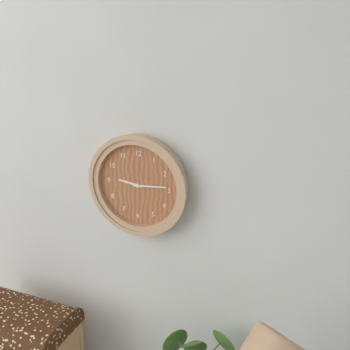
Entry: 9.14
